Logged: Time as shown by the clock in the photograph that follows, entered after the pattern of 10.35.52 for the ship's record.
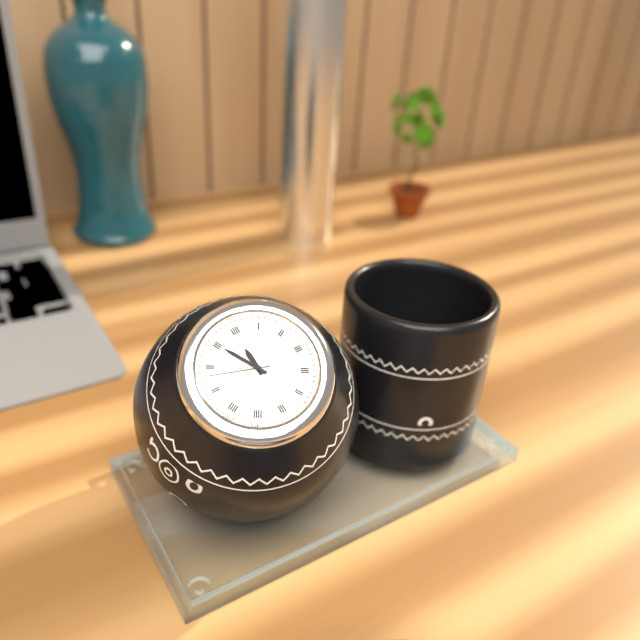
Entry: 11.55.48
